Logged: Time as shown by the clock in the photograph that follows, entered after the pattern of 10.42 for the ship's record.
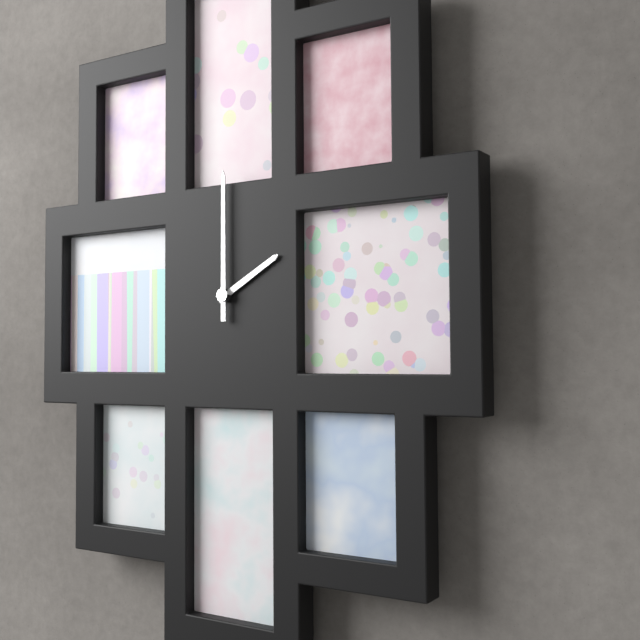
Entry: 2.00
